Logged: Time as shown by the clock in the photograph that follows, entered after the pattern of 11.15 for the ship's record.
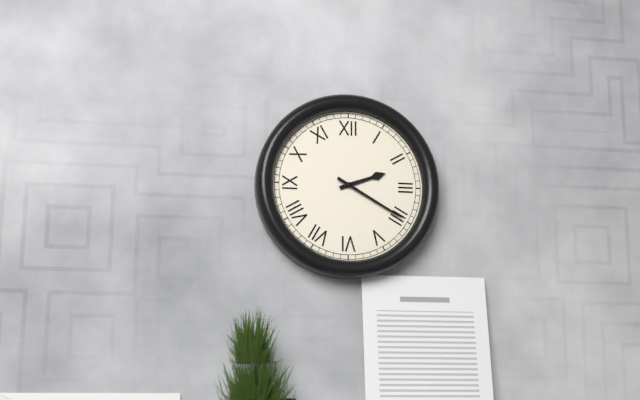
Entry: 2.20
